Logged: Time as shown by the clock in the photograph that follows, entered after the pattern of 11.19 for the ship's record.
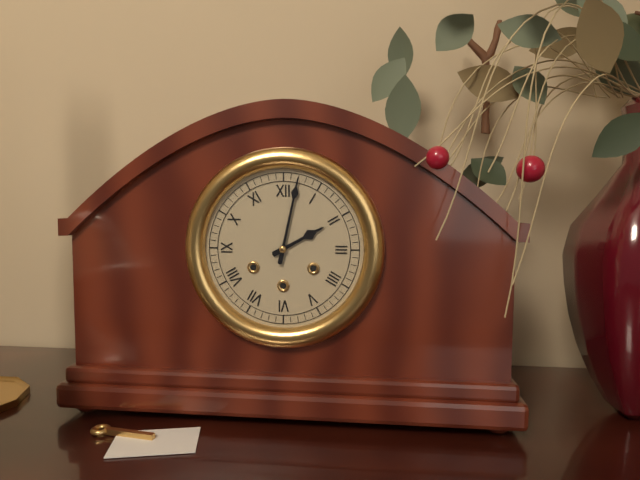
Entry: 2.02
